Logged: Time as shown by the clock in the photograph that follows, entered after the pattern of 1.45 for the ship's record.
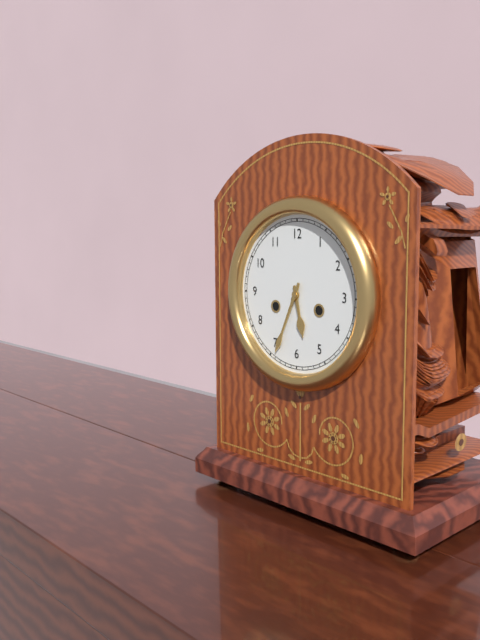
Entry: 5.34
